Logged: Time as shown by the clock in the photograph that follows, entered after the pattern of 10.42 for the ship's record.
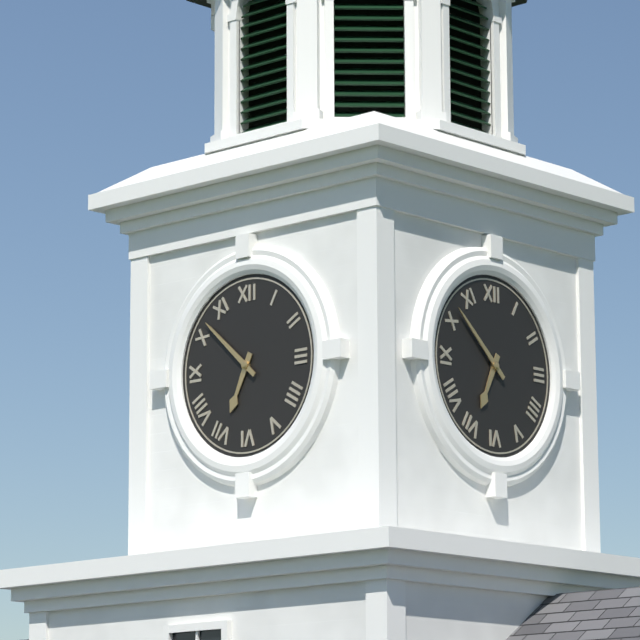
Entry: 6.52
